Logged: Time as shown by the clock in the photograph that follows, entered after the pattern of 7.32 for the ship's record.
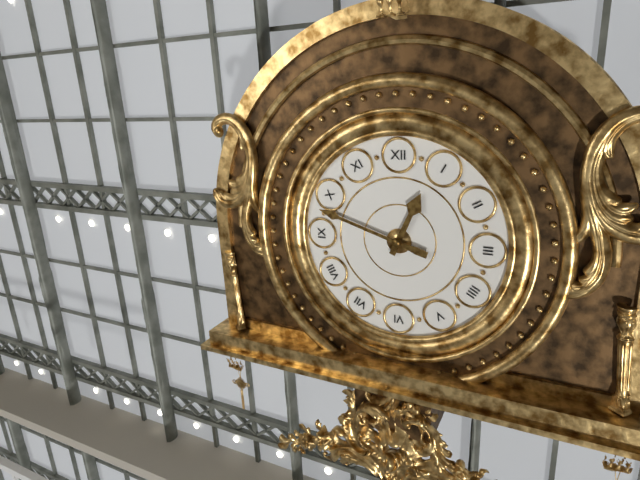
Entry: 12.48
